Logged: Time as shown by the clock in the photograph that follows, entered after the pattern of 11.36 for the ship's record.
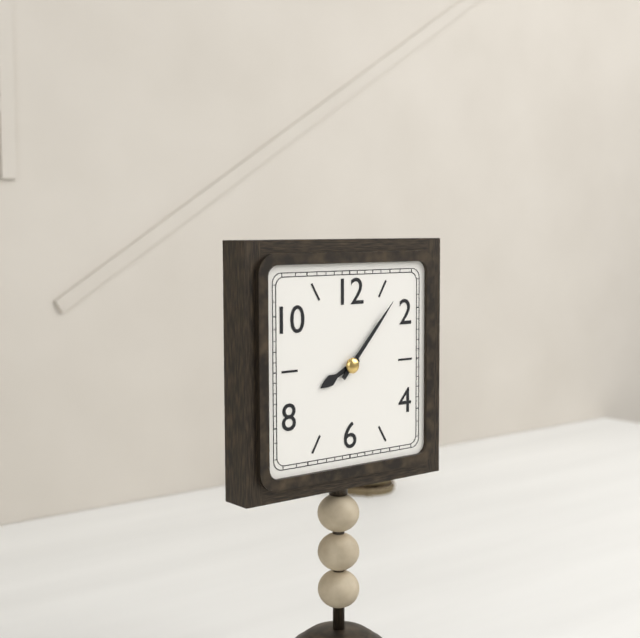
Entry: 8.07
